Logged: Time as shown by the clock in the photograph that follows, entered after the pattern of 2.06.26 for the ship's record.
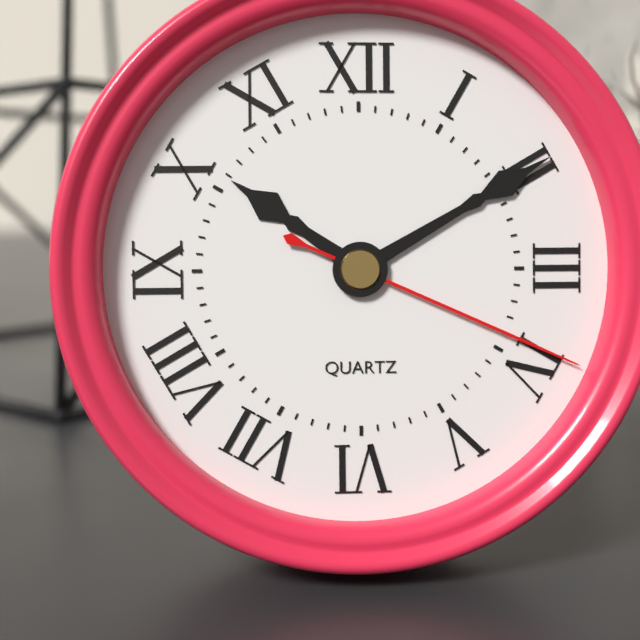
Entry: 10.10.19
